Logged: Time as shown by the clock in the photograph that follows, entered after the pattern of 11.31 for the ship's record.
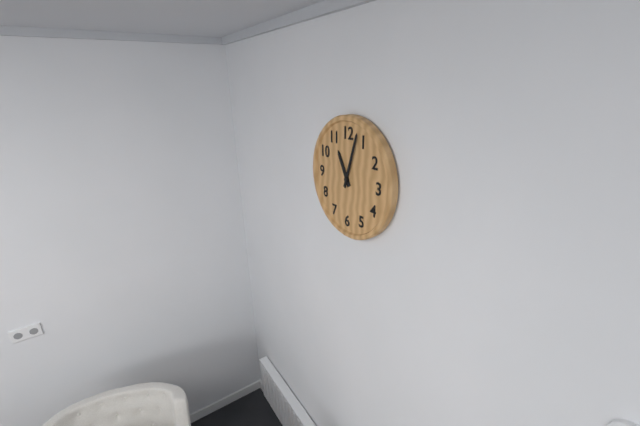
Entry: 11.03
